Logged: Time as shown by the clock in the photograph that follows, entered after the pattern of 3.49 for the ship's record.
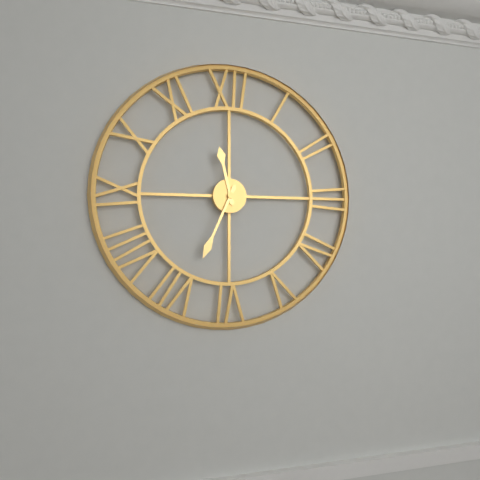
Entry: 11.34
